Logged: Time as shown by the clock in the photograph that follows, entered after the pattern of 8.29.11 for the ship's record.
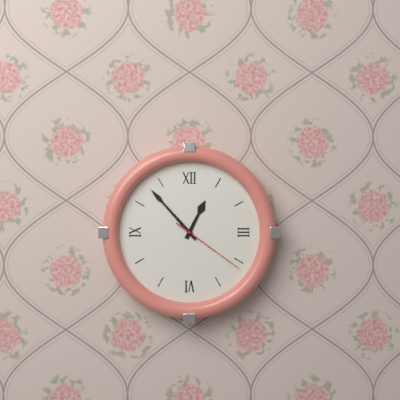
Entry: 12.53.21
